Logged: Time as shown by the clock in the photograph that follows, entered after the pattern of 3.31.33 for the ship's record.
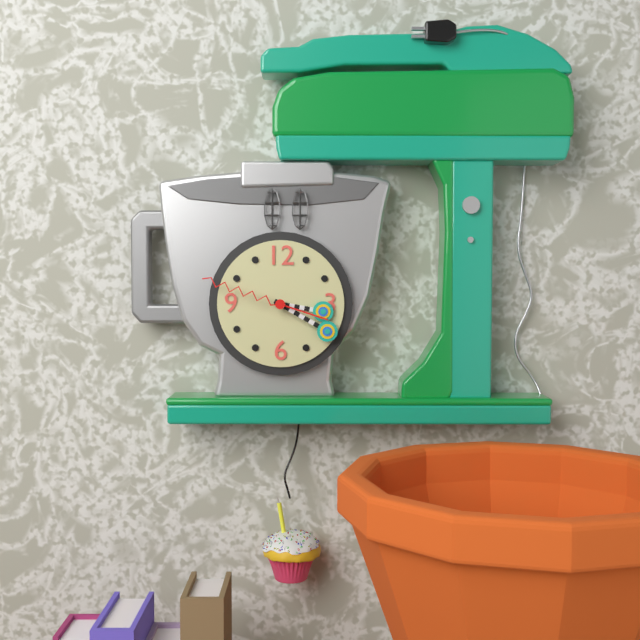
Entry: 3.20.48
